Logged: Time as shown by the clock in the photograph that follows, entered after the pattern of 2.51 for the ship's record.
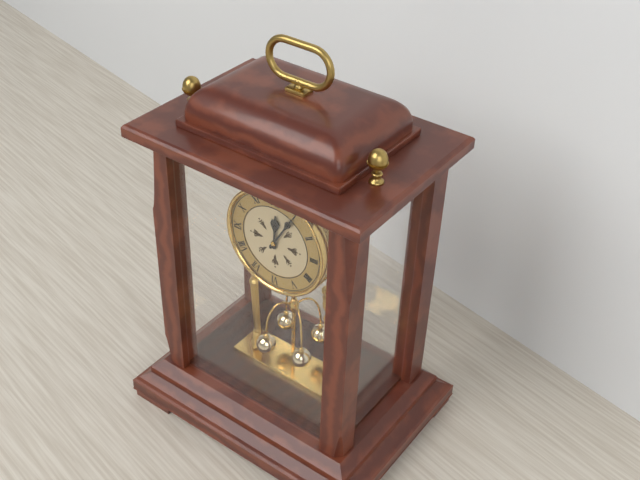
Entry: 12.05
